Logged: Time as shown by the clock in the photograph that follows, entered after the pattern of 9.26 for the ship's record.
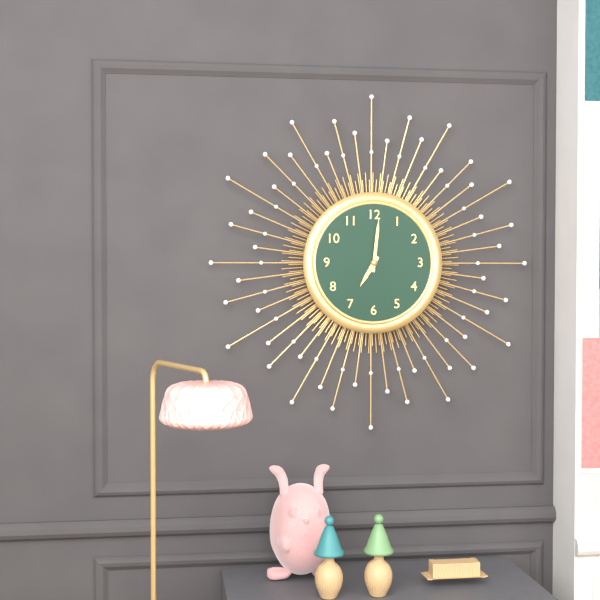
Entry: 7.01
